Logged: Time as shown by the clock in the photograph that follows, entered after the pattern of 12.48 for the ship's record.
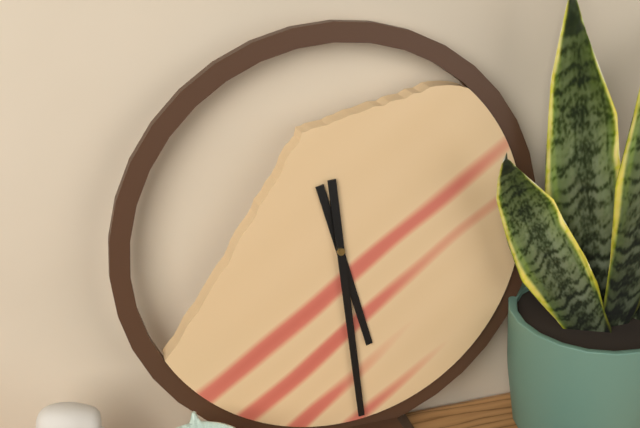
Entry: 5.29
